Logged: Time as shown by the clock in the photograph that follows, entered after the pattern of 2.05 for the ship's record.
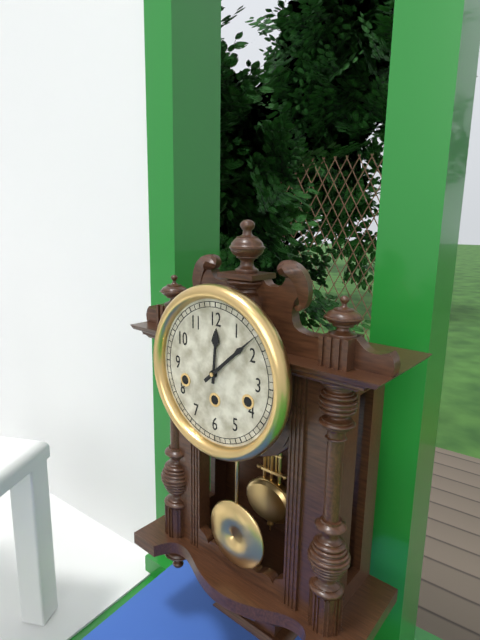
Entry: 12.08
